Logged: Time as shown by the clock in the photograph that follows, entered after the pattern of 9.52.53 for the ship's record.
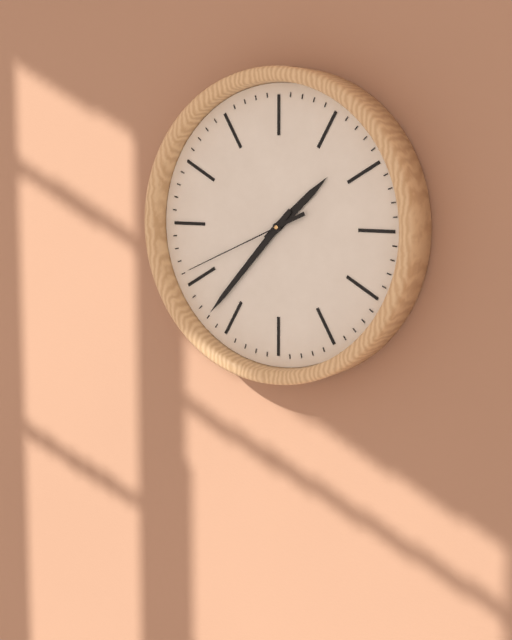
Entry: 1.37.41
